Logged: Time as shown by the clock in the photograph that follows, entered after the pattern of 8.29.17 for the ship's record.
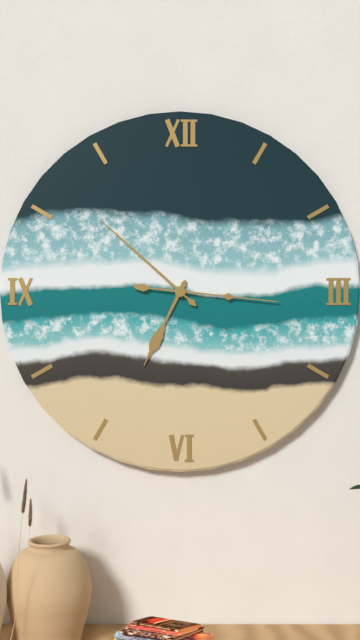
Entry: 6.52.16
